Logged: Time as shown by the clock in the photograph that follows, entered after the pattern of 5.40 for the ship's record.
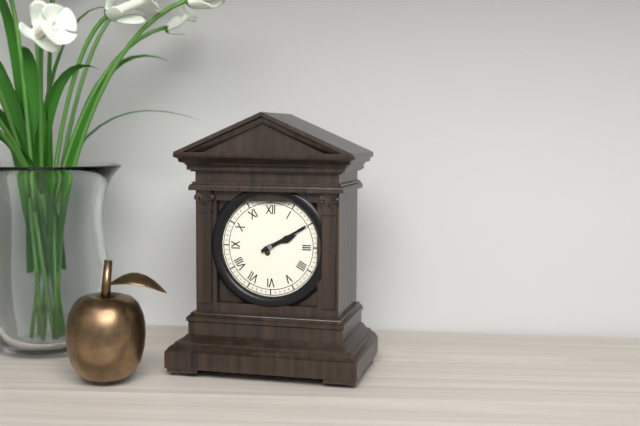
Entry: 2.10
